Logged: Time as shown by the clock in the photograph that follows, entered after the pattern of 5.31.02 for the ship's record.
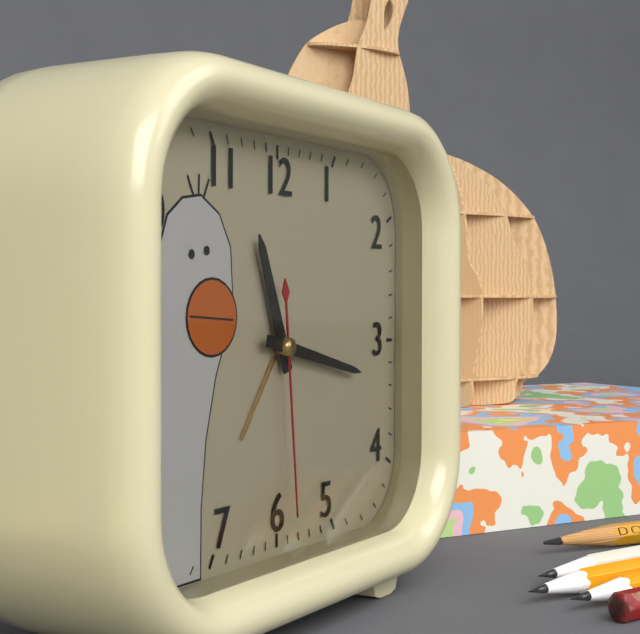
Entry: 11.17.29
